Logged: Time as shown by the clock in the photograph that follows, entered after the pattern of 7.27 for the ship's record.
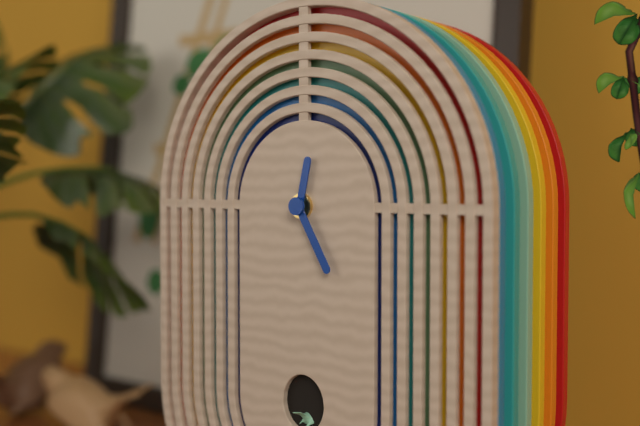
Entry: 12.25
